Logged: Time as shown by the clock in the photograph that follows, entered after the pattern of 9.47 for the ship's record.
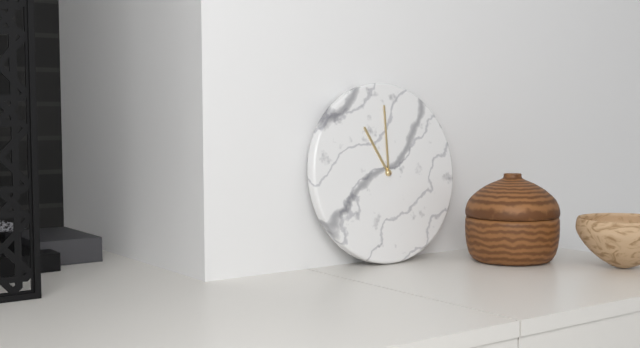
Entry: 11.00
